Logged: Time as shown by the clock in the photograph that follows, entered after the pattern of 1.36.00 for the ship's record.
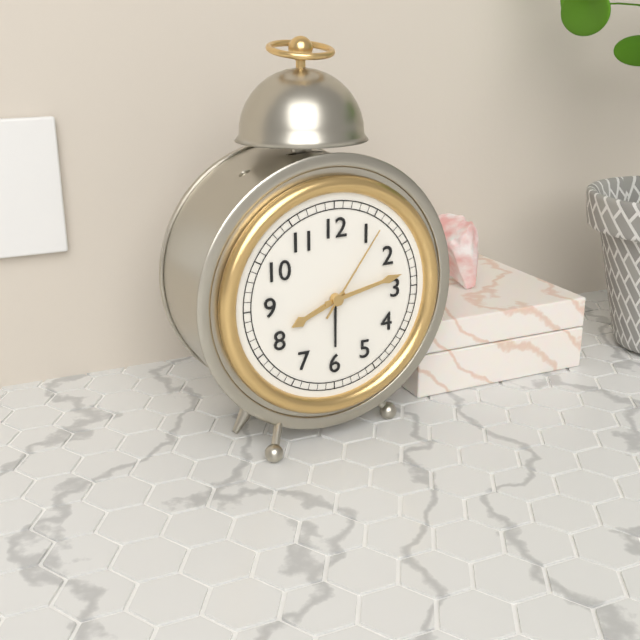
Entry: 8.13.06
